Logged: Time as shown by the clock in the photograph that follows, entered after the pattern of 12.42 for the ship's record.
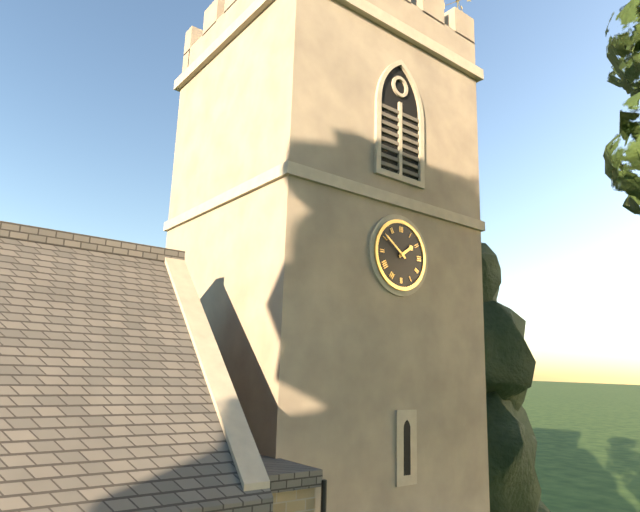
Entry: 1.51
